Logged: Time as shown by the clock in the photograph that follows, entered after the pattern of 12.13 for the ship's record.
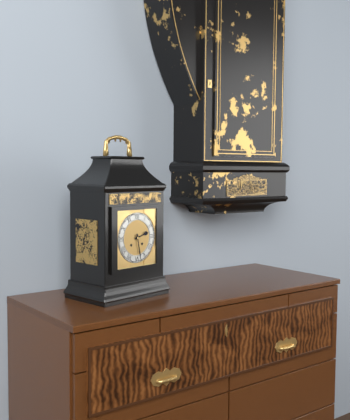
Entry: 2.28
